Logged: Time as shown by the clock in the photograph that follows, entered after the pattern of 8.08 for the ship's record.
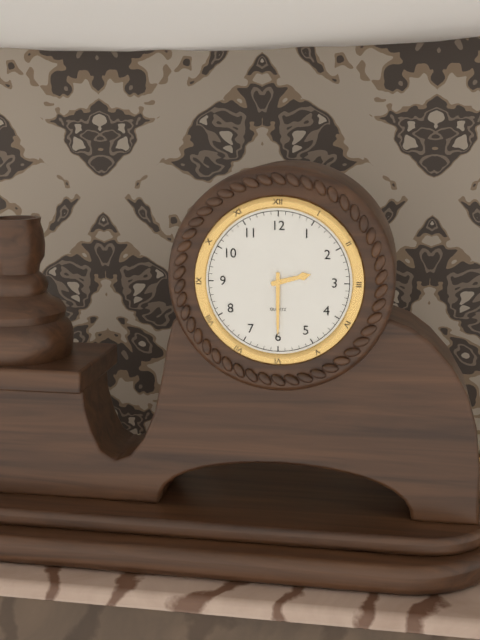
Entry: 2.30
